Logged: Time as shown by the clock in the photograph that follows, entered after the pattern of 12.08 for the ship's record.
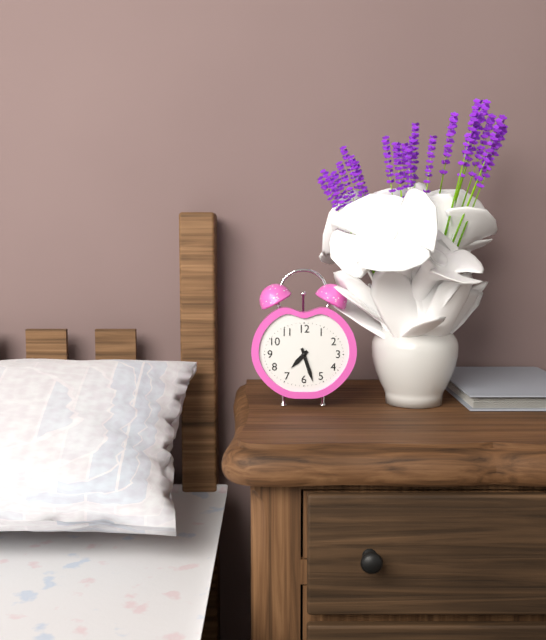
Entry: 7.27
